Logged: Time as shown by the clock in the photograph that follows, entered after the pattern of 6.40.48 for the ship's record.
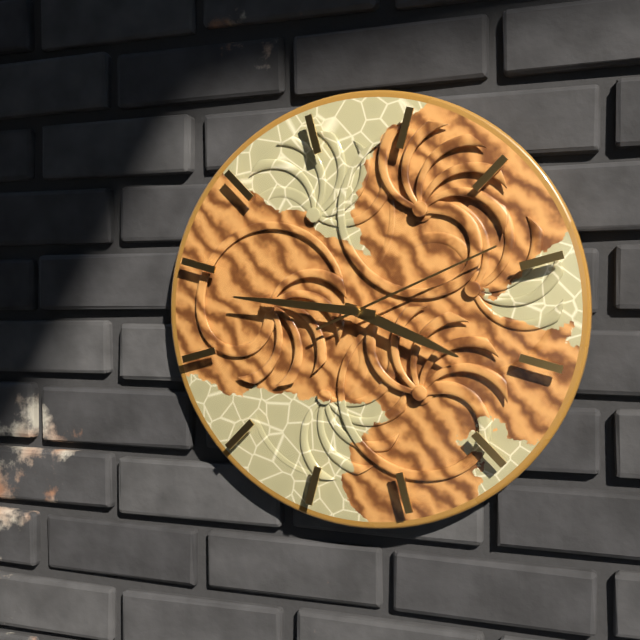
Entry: 3.46.11
